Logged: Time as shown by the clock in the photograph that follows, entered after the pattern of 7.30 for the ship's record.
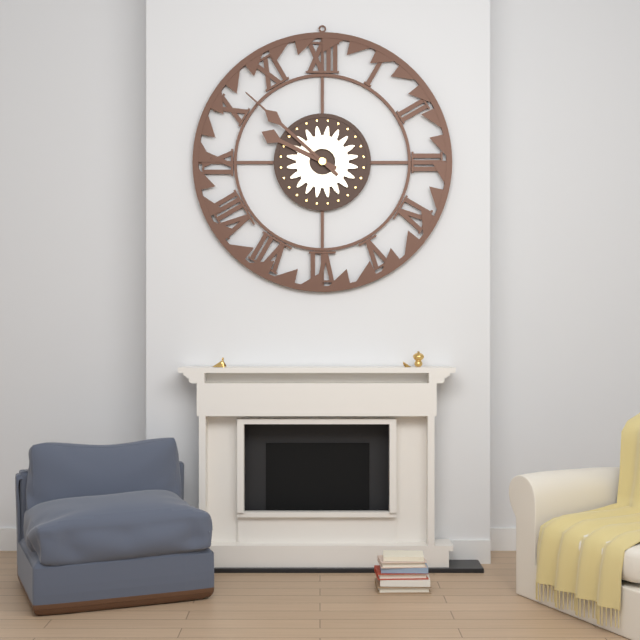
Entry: 9.52
